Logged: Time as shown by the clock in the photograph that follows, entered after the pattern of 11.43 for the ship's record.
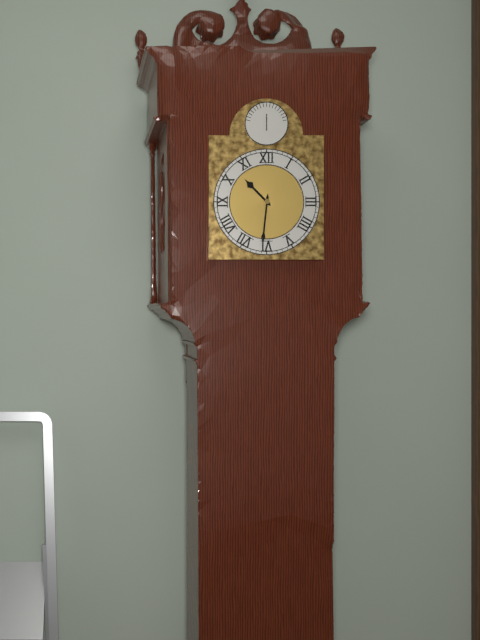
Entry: 10.31
